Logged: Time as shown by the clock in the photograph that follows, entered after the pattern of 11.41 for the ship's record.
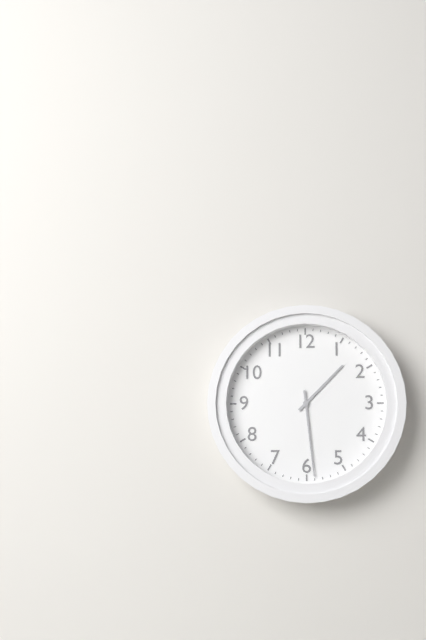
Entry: 1.29
